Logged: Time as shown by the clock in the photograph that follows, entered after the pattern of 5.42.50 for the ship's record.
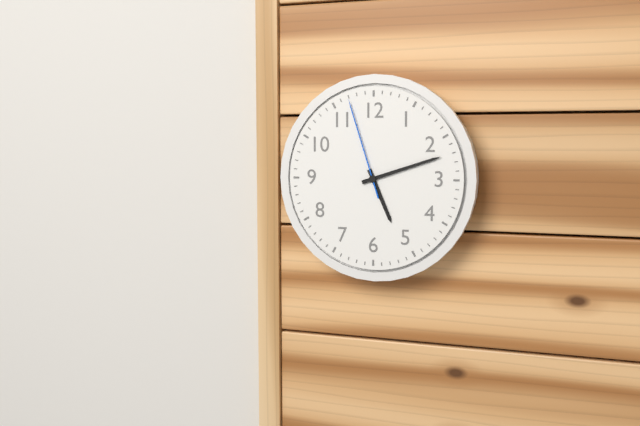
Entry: 5.12.57
